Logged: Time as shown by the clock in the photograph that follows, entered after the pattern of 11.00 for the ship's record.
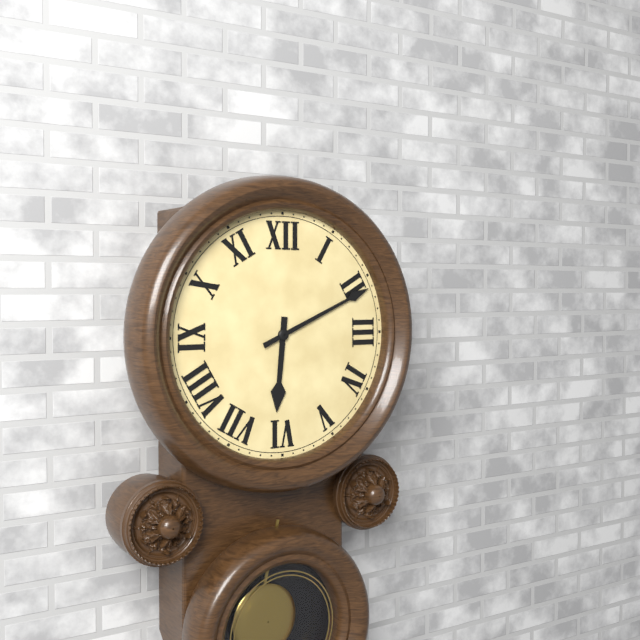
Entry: 6.11
